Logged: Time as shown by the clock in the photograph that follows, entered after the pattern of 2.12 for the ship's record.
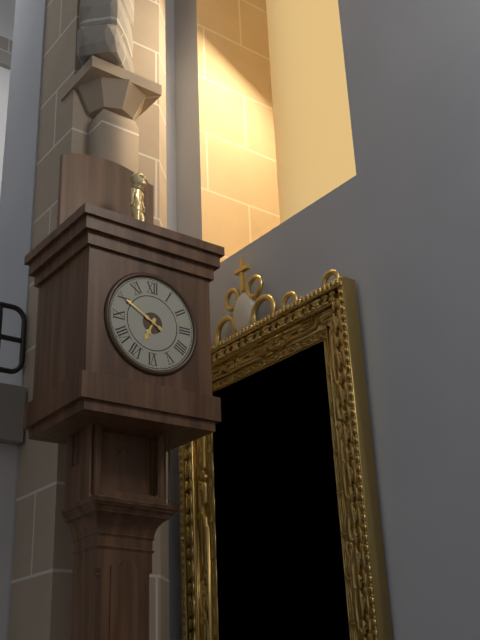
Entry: 6.50
